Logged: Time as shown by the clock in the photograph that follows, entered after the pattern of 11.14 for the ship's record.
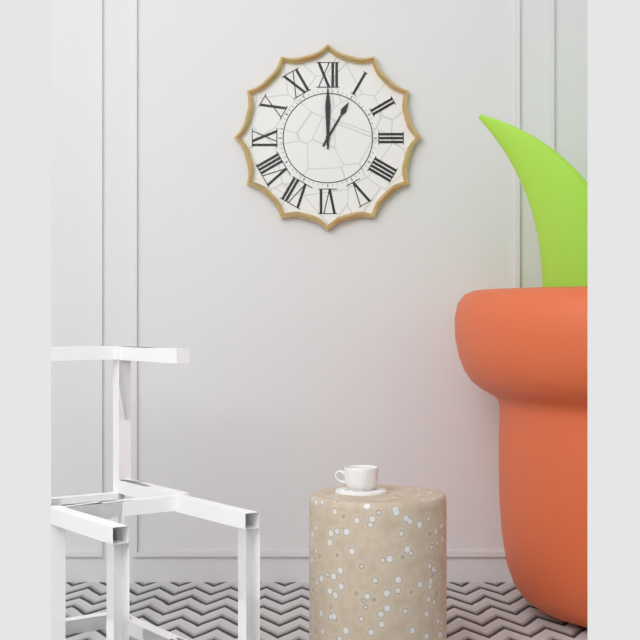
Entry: 1.00
